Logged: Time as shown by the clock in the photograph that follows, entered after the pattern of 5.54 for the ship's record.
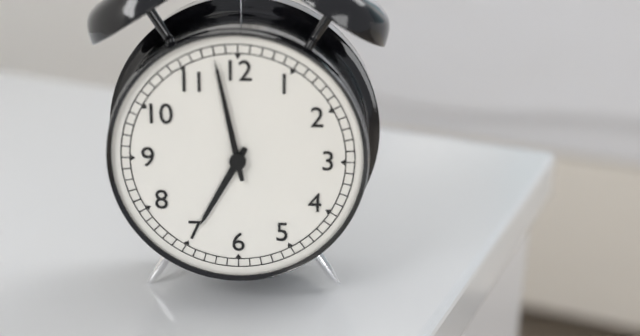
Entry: 6.58
